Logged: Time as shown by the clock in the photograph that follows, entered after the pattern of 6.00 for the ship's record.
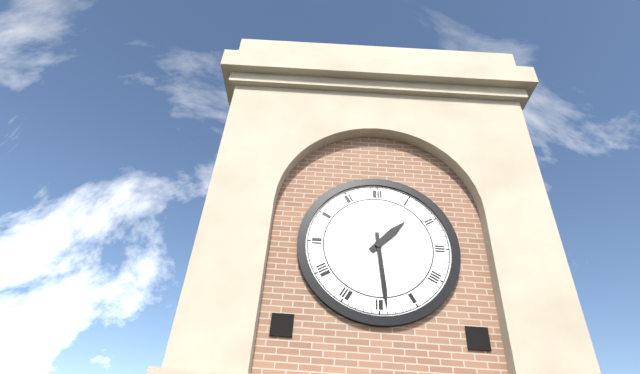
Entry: 1.29
